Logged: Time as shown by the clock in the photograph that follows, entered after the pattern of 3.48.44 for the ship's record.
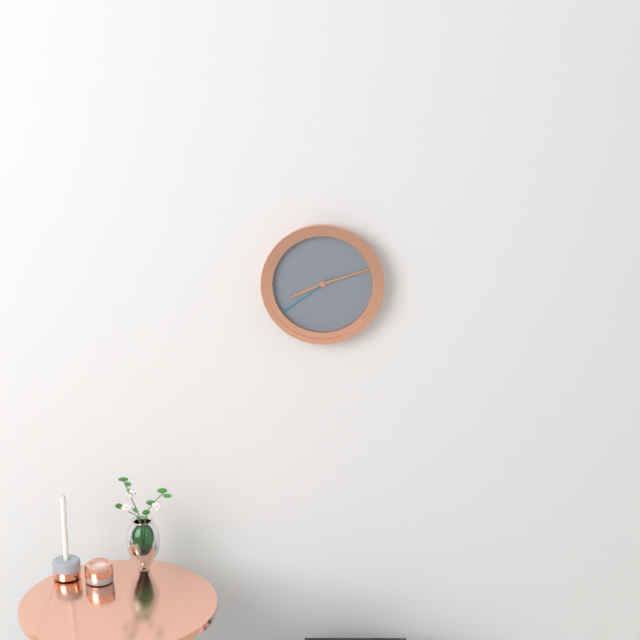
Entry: 8.12.39
